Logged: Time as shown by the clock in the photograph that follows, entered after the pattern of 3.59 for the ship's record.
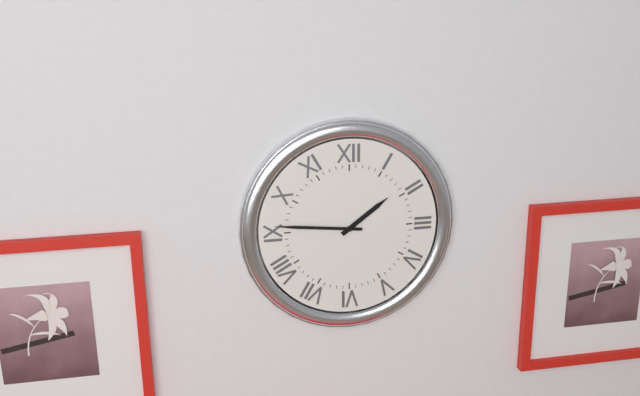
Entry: 1.46
